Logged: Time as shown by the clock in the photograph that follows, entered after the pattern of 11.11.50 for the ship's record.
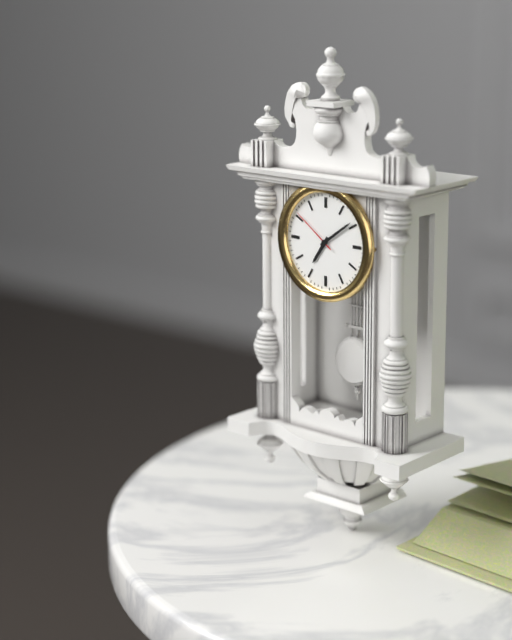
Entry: 7.09.51
